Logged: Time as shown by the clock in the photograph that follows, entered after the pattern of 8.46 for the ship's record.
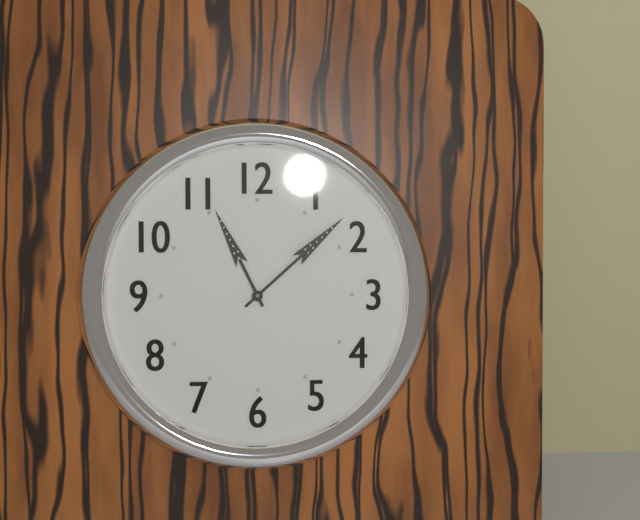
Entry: 11.08
